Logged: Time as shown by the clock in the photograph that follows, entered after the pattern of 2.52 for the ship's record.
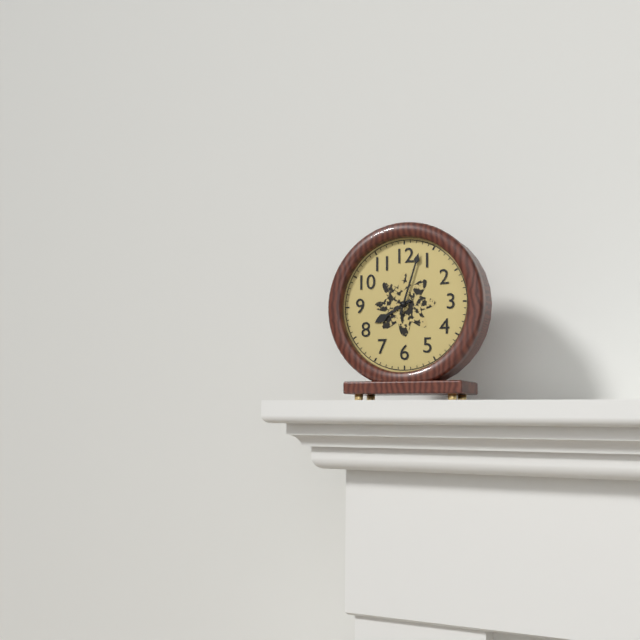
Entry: 8.03
